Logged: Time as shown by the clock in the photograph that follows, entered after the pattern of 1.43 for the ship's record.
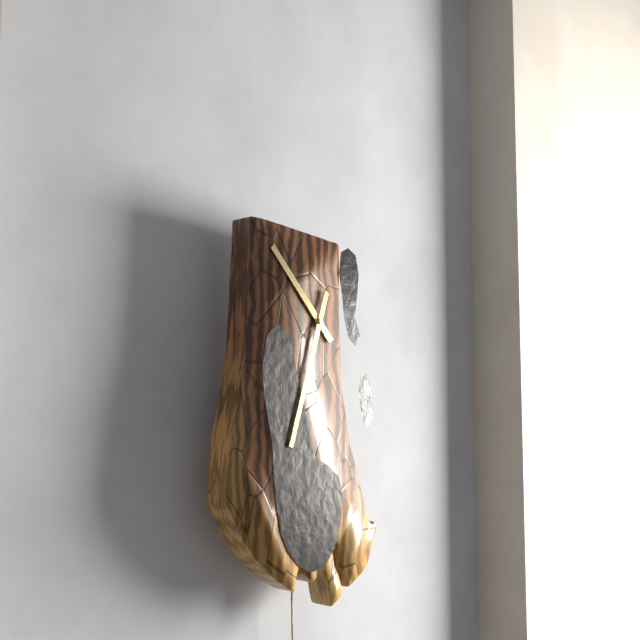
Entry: 10.33
